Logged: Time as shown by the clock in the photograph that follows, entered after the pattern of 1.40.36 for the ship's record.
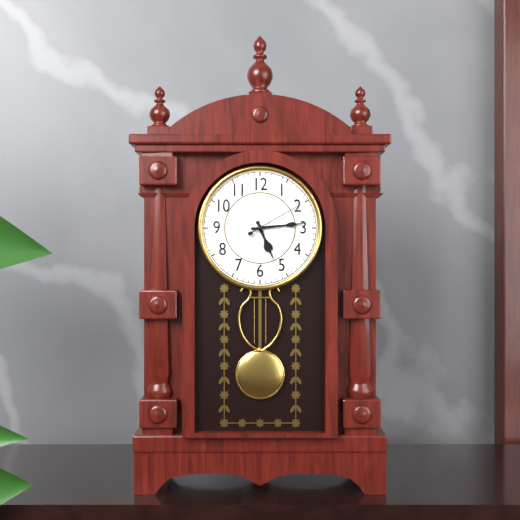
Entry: 5.14.10
